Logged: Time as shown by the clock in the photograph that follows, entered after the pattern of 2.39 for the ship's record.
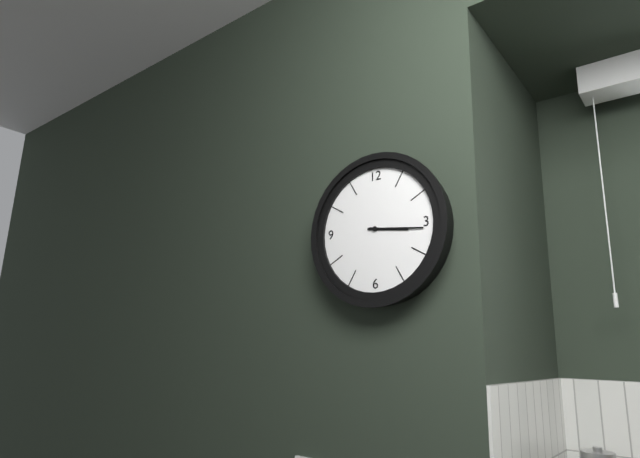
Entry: 3.16
